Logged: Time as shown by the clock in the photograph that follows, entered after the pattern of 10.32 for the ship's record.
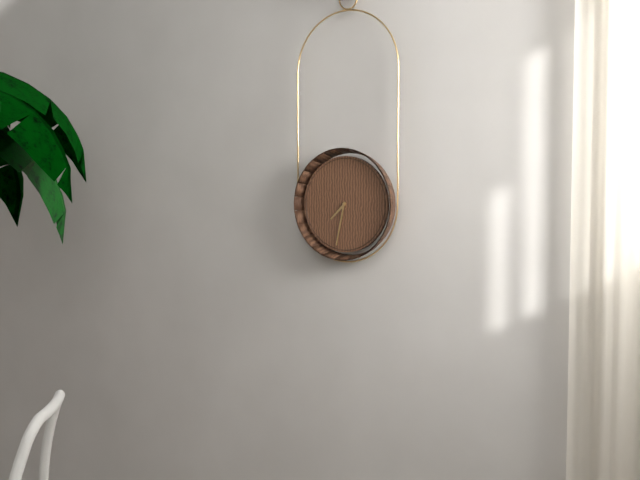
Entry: 7.32
